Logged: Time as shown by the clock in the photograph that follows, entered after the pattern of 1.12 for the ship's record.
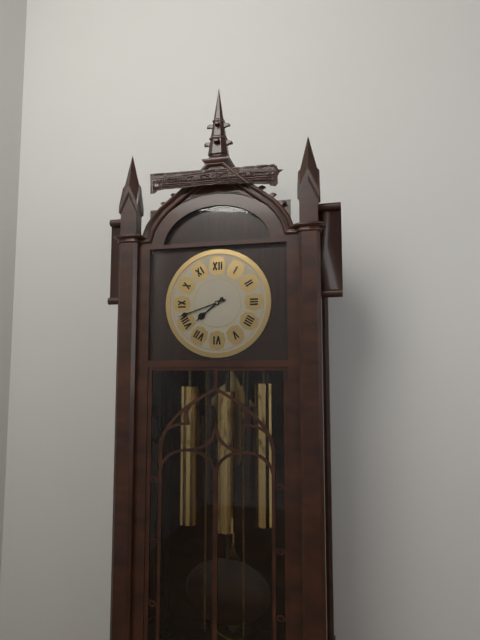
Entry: 7.42
